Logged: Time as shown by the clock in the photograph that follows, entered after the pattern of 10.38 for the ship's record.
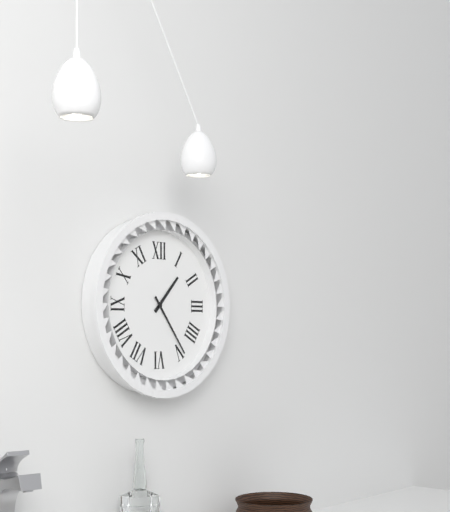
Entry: 1.24
